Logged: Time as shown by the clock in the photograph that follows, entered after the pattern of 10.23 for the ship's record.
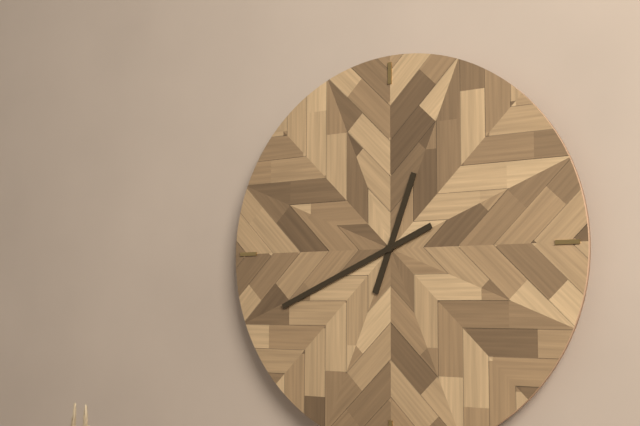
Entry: 12.41
